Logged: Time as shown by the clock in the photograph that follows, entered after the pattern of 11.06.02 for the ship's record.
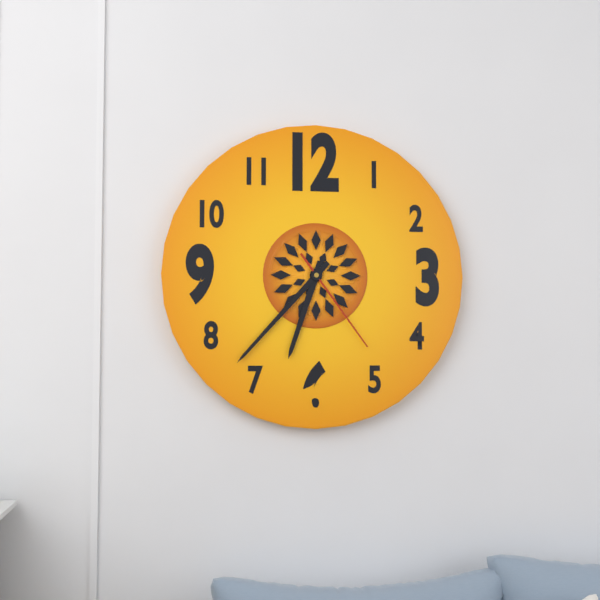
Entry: 6.37.24
